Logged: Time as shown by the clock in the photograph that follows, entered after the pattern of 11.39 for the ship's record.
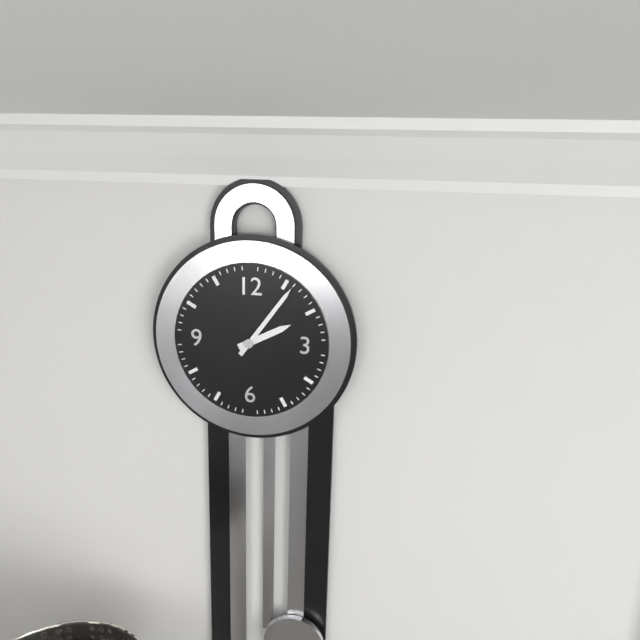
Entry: 2.06
